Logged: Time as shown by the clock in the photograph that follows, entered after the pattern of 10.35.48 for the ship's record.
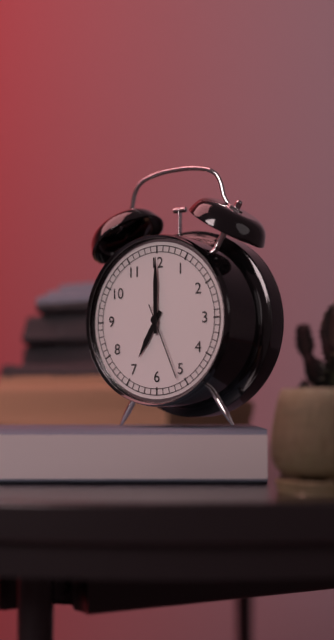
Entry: 7.00.26
